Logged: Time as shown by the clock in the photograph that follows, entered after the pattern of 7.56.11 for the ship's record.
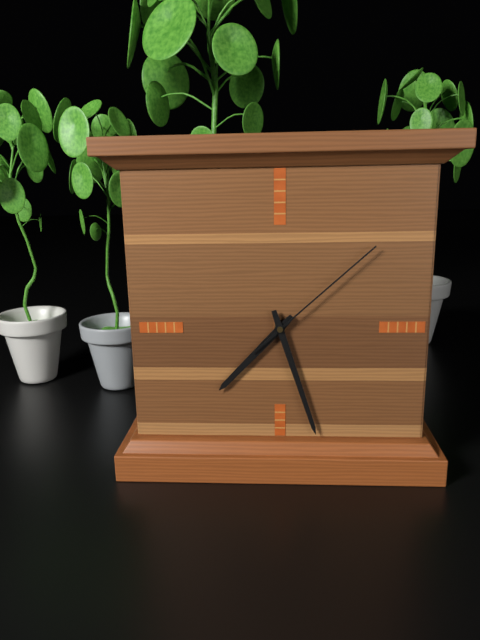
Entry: 7.27.08
